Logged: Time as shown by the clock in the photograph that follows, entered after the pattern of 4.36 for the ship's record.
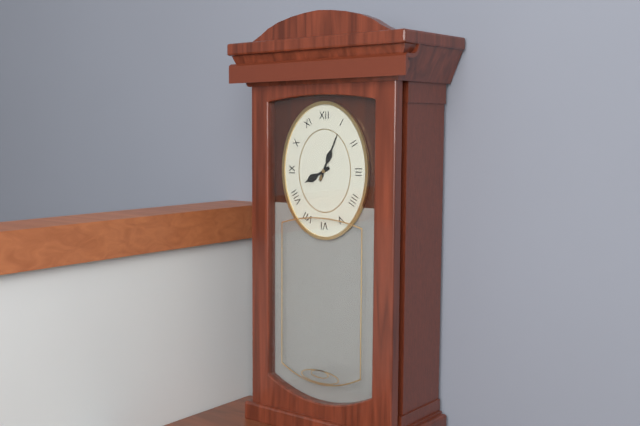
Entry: 8.04
